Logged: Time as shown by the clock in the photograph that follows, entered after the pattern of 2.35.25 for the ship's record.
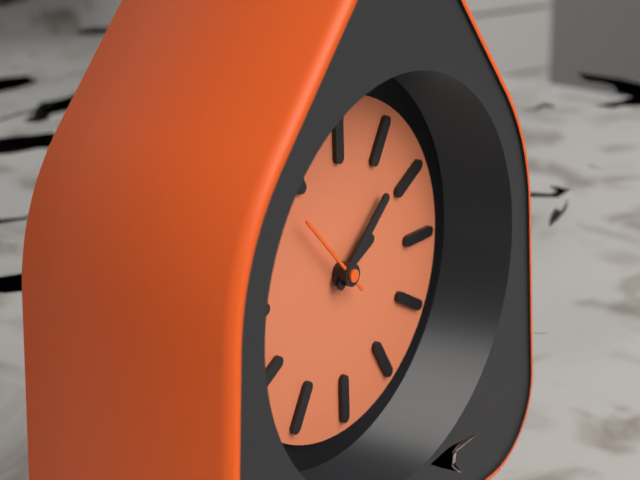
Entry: 2.08.53
